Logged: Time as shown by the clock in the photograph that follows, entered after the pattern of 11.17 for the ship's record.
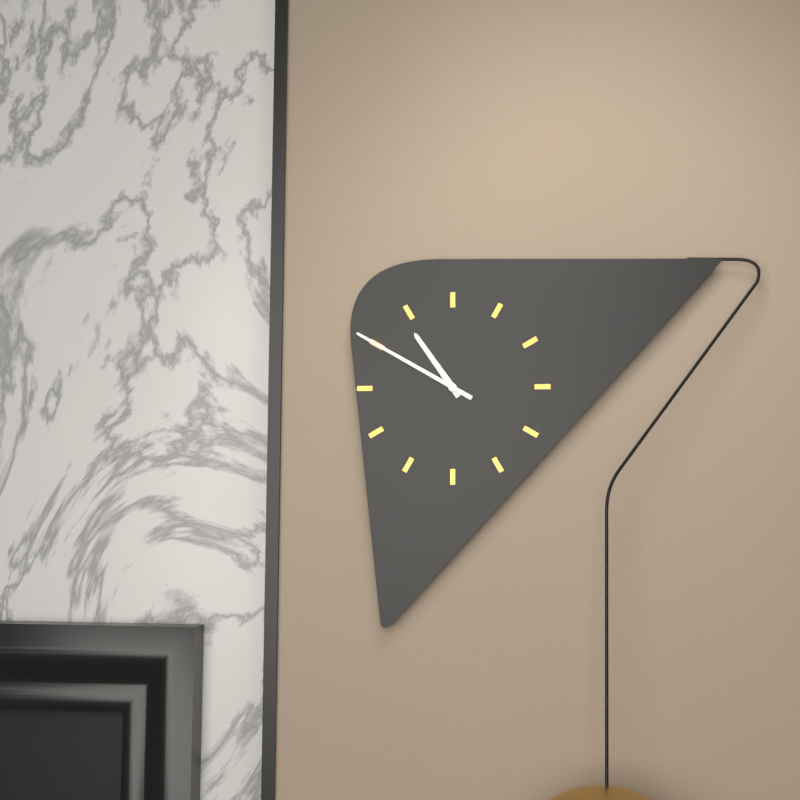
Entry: 10.50
